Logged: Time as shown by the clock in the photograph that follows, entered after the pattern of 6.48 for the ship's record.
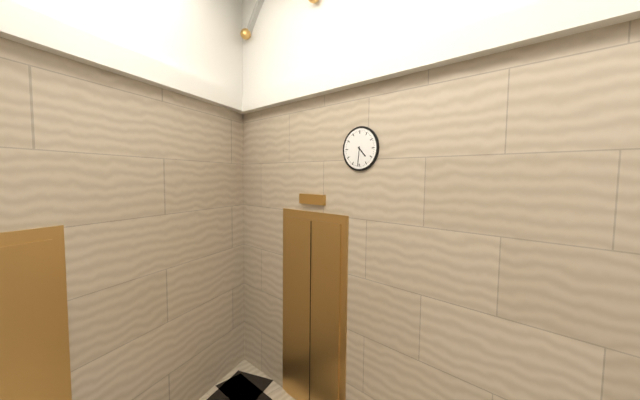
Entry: 4.31
